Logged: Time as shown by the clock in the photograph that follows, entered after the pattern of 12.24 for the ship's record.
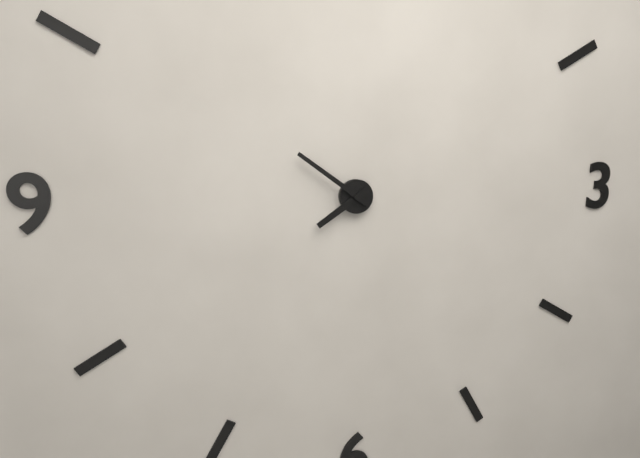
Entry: 7.51
